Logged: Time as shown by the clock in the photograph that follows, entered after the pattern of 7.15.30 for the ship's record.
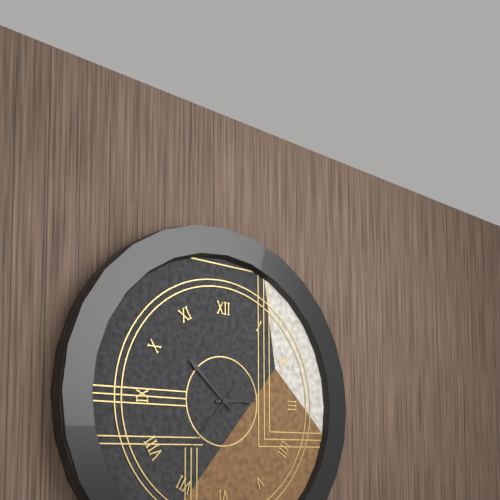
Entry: 2.52.37
